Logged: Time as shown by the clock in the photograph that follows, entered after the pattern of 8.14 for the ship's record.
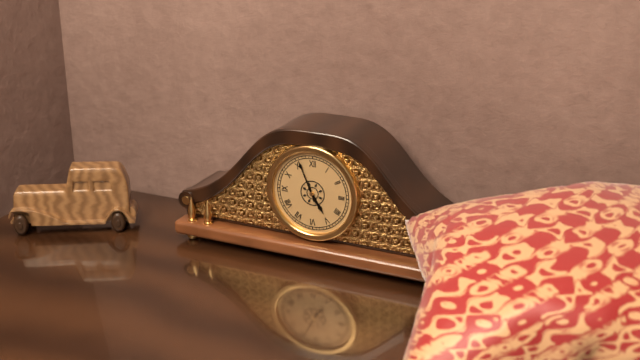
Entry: 4.56
